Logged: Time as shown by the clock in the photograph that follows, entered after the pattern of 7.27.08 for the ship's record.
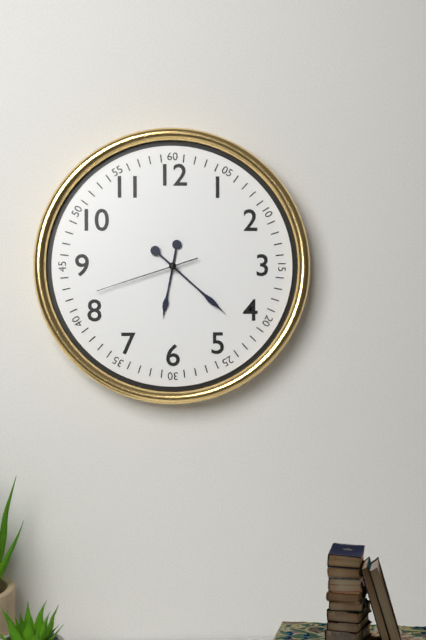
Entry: 6.22.42
